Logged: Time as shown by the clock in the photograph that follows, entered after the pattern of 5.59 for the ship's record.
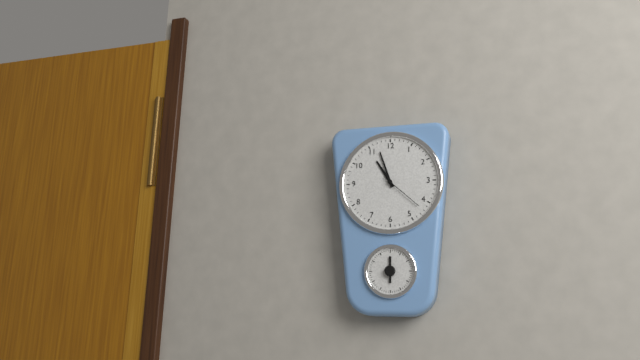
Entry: 10.57
